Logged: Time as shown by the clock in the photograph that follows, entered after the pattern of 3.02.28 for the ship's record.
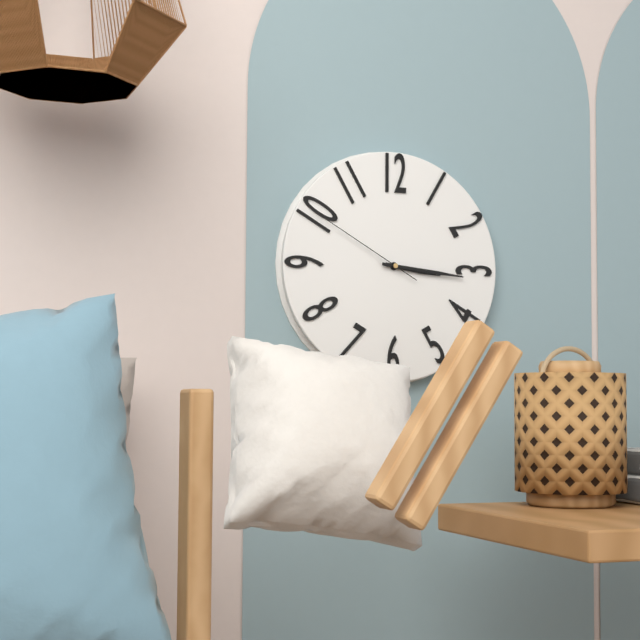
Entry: 3.16.50
